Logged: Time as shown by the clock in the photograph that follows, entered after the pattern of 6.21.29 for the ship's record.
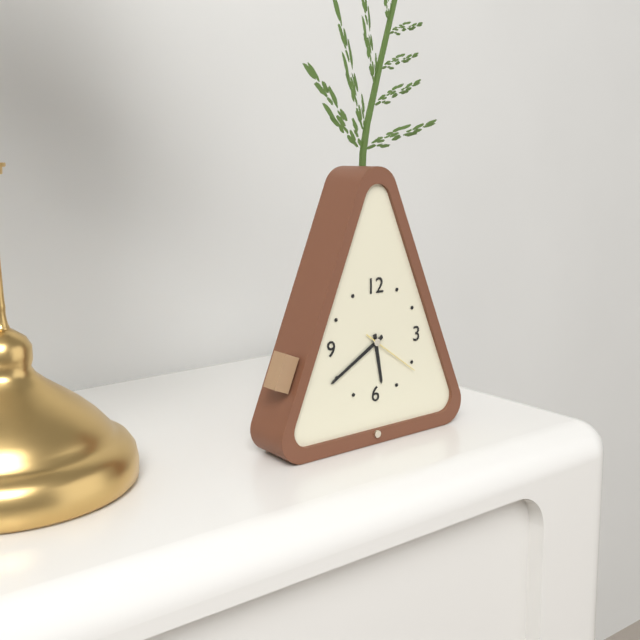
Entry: 5.40.21
